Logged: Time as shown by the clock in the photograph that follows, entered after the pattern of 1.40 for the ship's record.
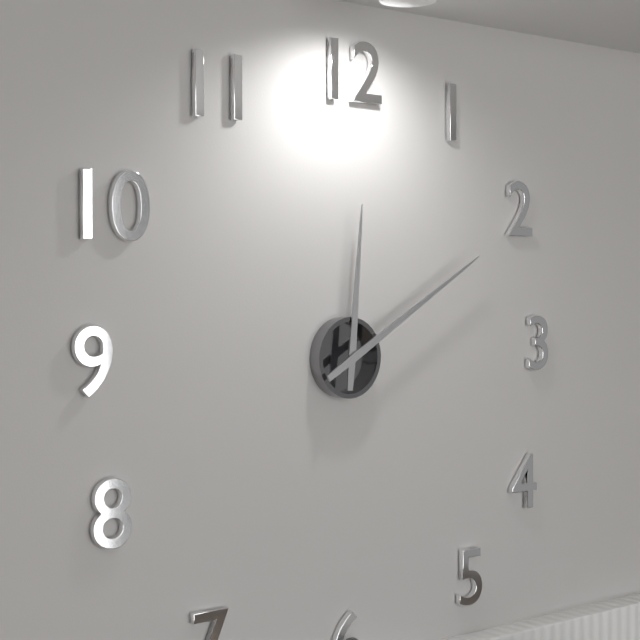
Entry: 12.10
